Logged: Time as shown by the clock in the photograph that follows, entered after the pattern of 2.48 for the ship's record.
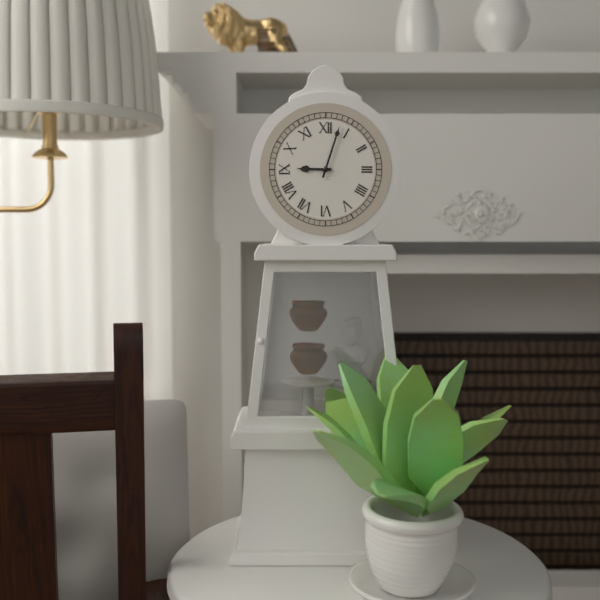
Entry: 9.03
